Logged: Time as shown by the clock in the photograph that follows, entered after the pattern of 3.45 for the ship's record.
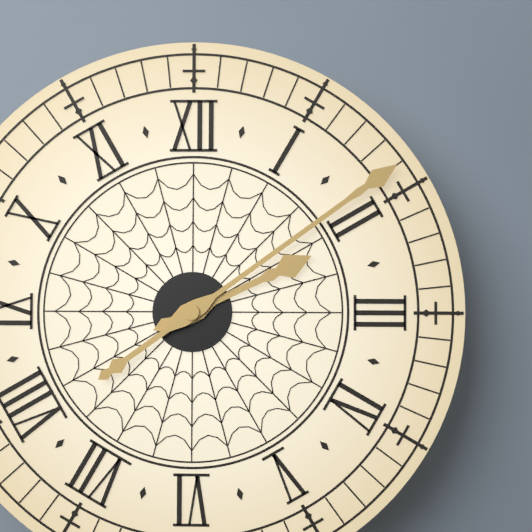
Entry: 2.09
